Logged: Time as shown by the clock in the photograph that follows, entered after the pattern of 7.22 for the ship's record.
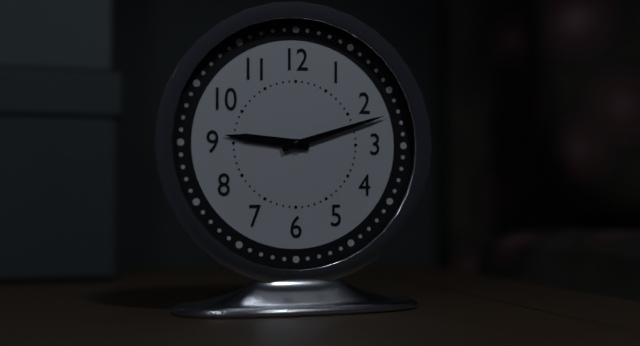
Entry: 9.12
